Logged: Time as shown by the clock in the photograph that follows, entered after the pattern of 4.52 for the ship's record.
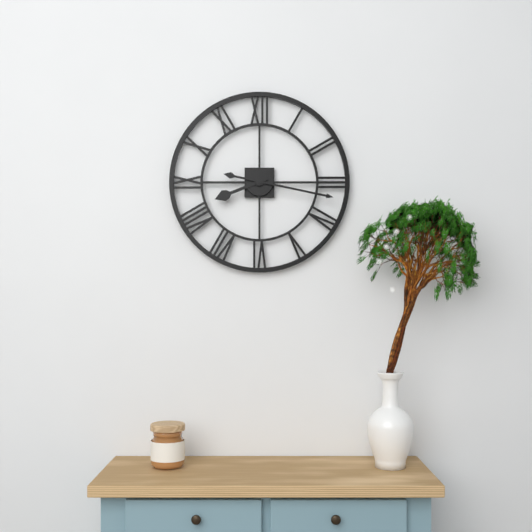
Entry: 8.17
